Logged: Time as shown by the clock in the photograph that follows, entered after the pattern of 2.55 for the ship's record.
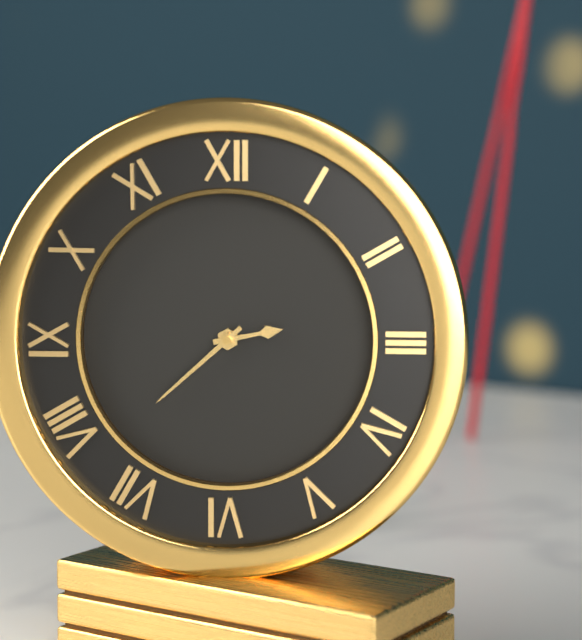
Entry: 2.38
